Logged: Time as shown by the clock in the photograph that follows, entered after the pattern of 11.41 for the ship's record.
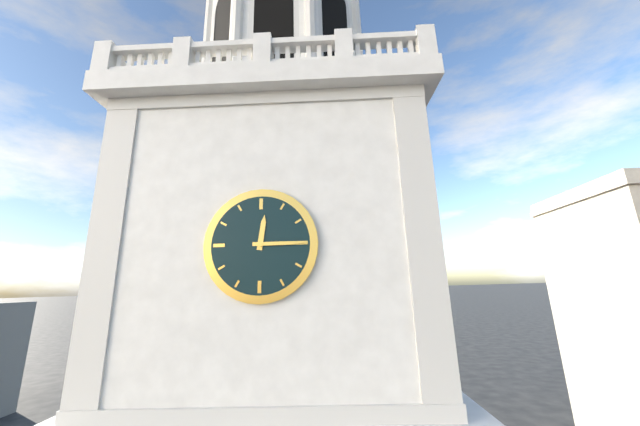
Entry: 12.15
